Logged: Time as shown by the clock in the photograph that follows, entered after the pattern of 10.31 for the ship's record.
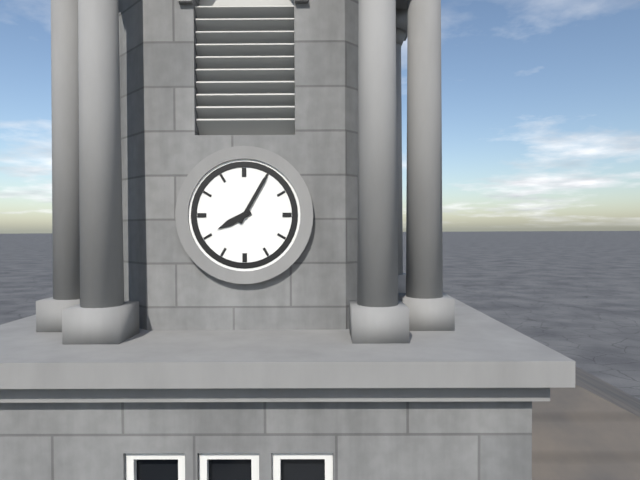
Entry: 8.05
